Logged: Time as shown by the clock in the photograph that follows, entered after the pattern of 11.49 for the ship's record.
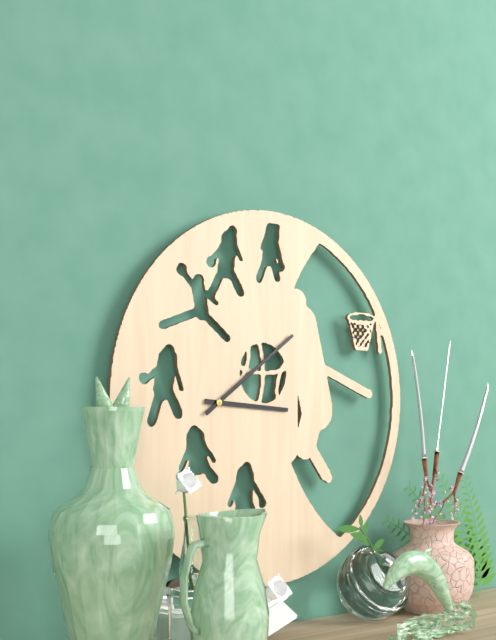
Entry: 3.09
